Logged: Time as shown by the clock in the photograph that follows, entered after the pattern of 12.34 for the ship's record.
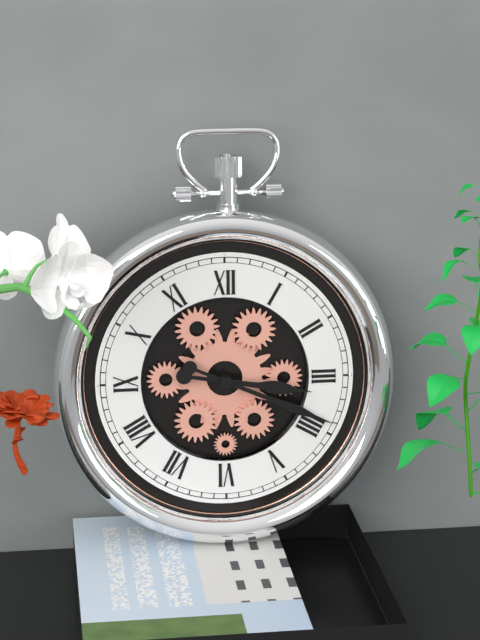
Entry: 3.19
